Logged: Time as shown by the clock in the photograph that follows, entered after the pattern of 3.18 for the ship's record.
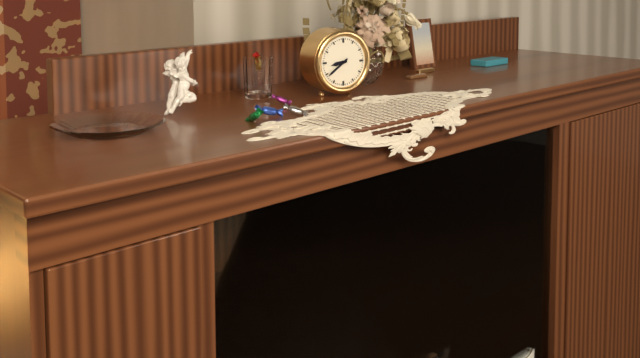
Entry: 8.39
